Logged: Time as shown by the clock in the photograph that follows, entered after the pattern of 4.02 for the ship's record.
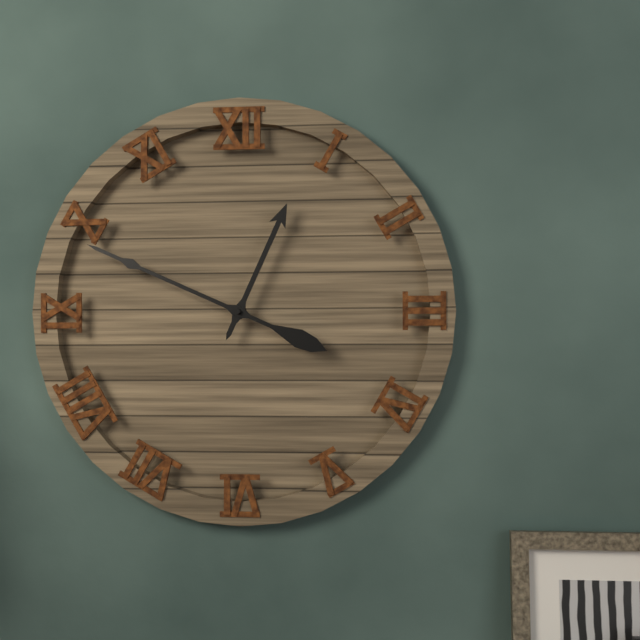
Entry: 12.49
